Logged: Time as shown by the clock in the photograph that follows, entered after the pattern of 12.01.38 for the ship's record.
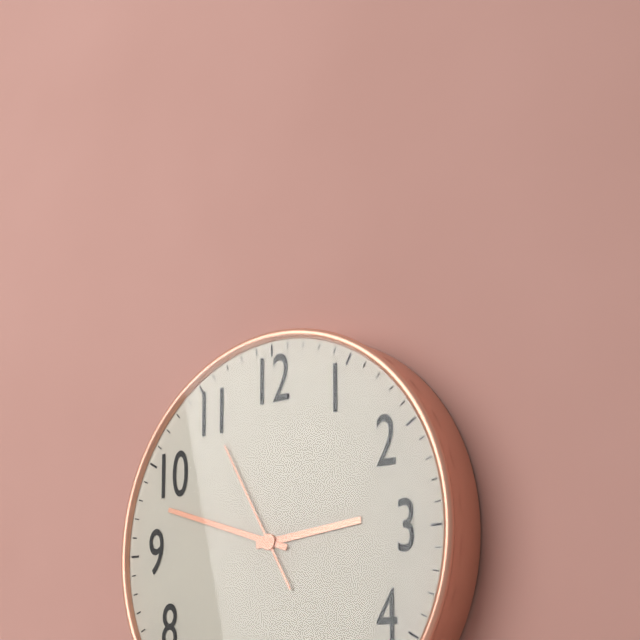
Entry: 2.48.55
